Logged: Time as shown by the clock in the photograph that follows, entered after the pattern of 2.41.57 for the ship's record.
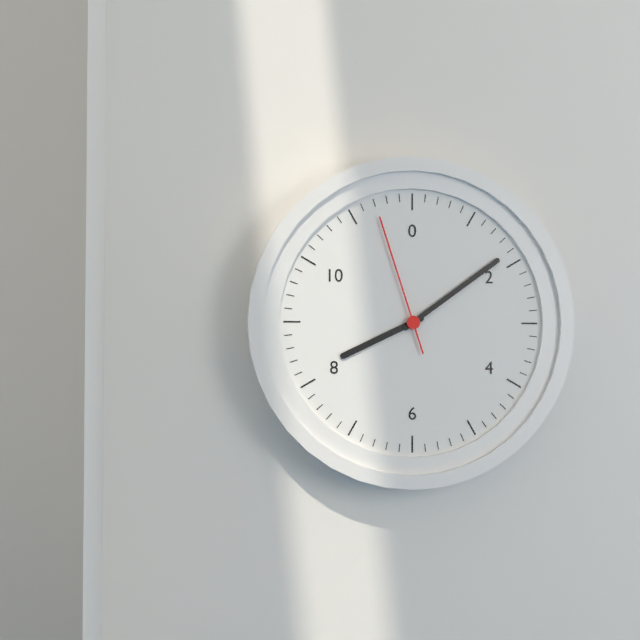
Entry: 8.09.57
